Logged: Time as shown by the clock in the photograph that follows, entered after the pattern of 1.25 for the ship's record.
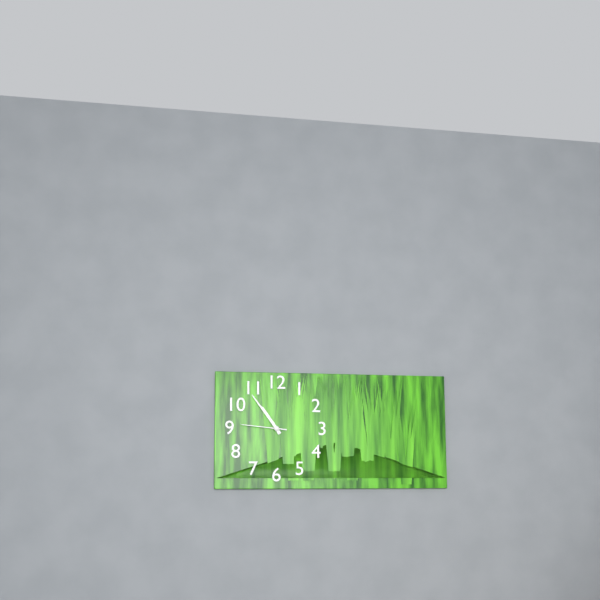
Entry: 10.54
